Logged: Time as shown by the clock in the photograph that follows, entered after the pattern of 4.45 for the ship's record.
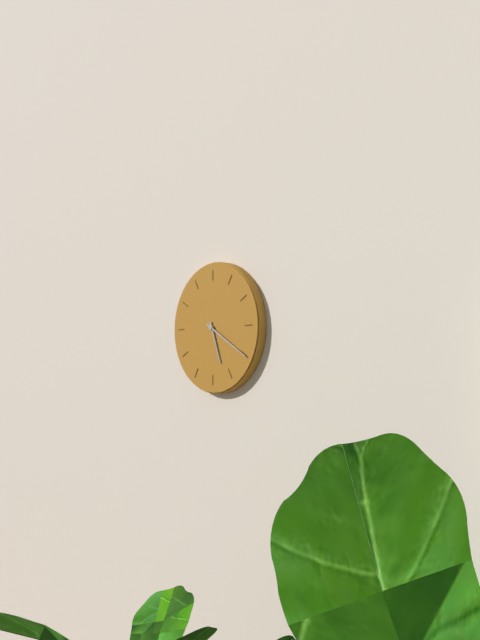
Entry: 5.20
